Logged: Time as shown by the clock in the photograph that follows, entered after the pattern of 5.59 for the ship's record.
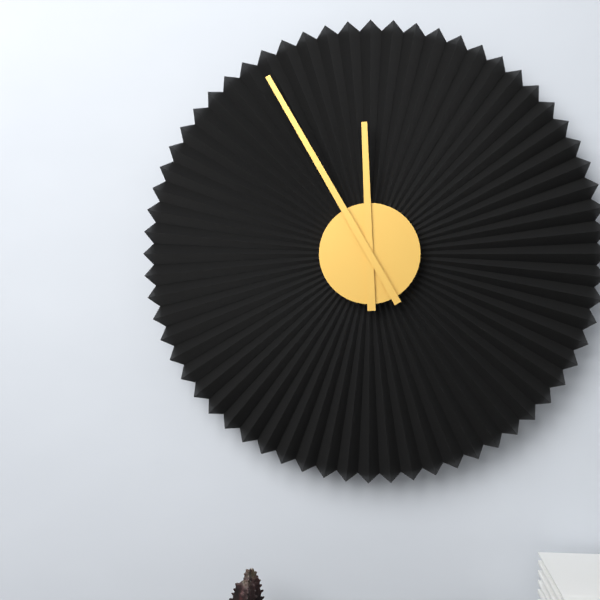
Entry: 11.55
